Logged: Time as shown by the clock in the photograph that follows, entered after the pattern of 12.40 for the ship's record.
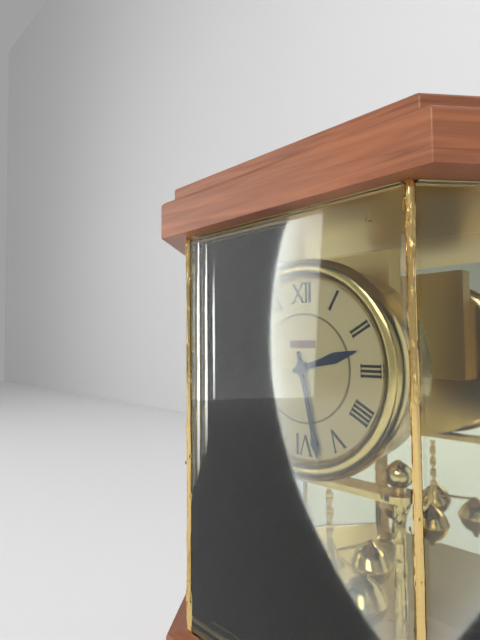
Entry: 2.28
